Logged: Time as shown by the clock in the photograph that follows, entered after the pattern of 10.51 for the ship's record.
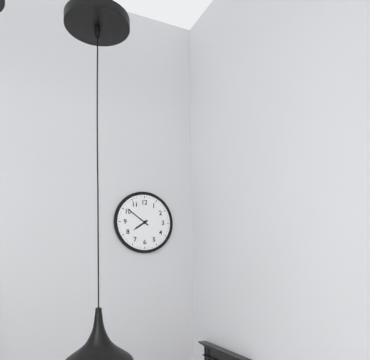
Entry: 7.51
